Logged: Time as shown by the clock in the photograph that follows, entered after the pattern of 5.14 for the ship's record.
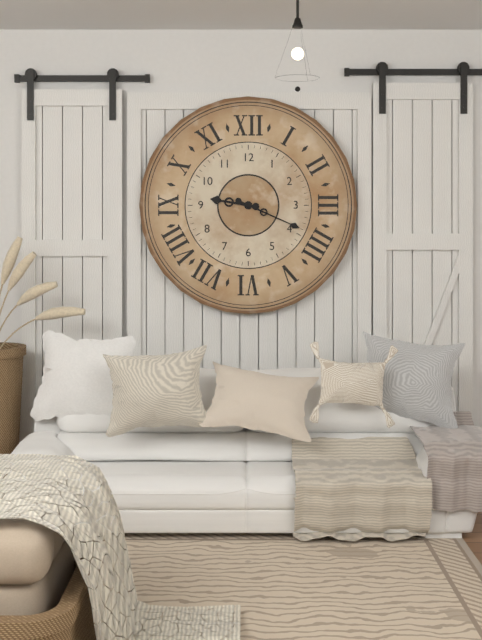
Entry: 9.19
